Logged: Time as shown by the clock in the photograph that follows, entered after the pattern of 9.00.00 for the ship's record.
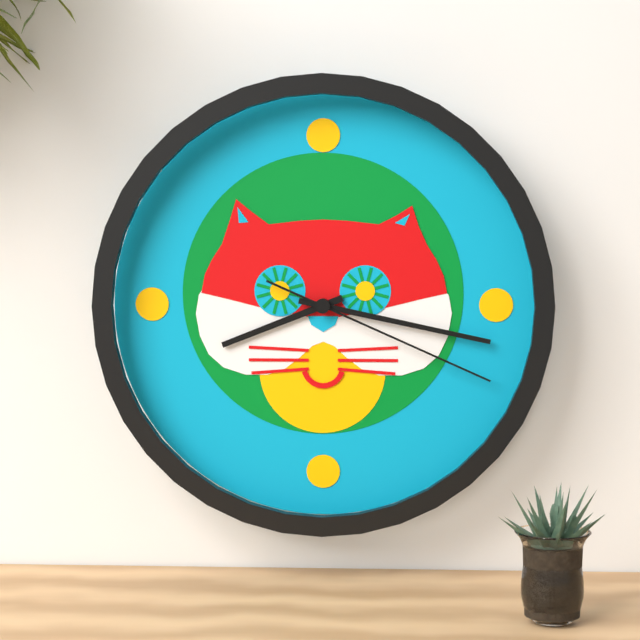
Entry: 8.17.19
